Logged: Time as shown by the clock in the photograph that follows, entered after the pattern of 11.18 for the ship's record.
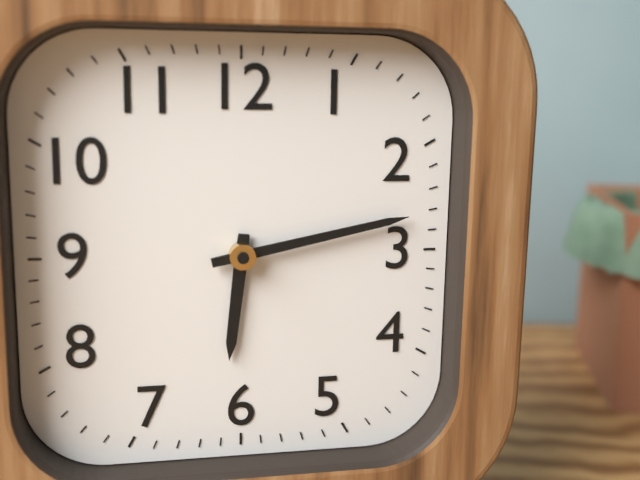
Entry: 6.13
